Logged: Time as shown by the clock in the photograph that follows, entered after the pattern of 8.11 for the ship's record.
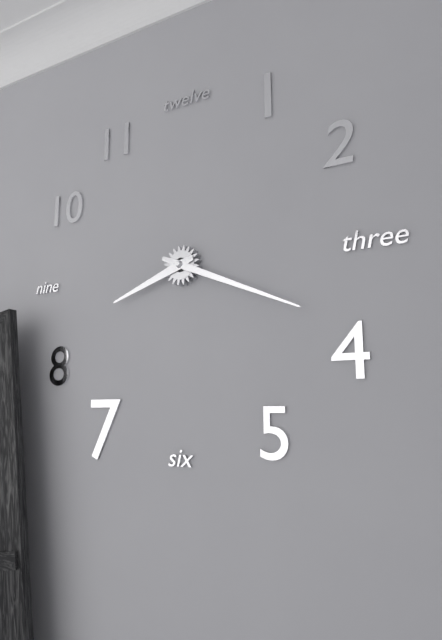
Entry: 8.19
